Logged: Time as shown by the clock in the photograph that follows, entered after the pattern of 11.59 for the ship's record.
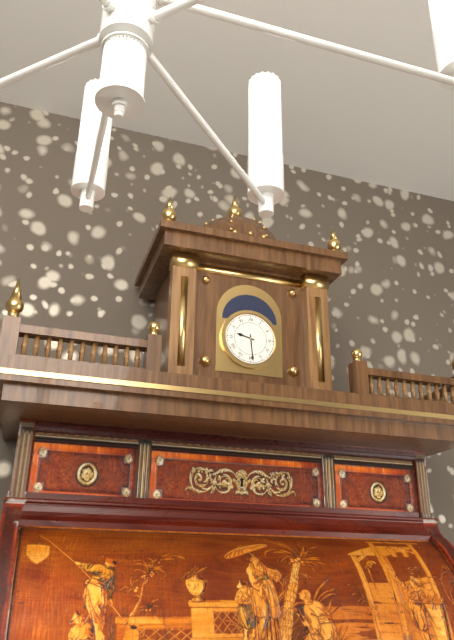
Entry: 9.29
